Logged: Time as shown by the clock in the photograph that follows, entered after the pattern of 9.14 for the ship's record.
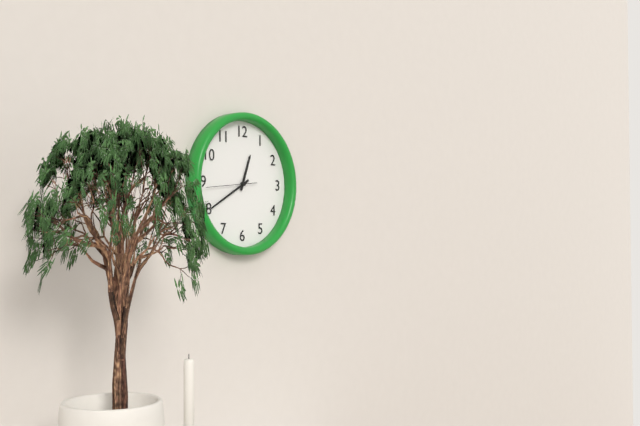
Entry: 12.40
